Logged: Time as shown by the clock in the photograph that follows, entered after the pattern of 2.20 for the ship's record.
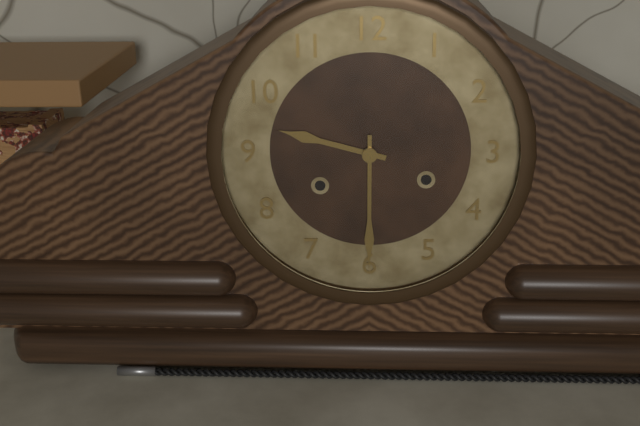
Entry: 9.30
